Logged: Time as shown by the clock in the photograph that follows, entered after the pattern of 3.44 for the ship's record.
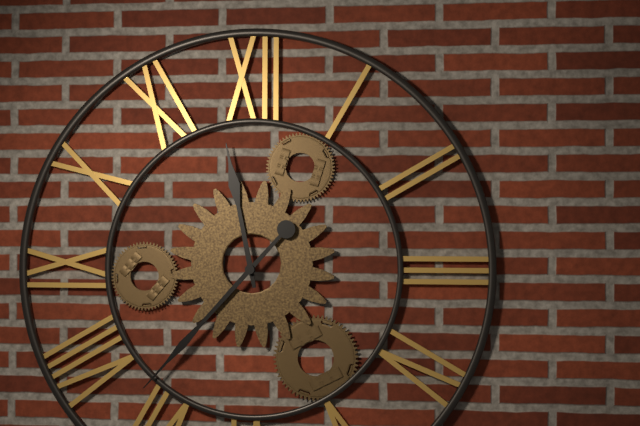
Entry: 11.37
